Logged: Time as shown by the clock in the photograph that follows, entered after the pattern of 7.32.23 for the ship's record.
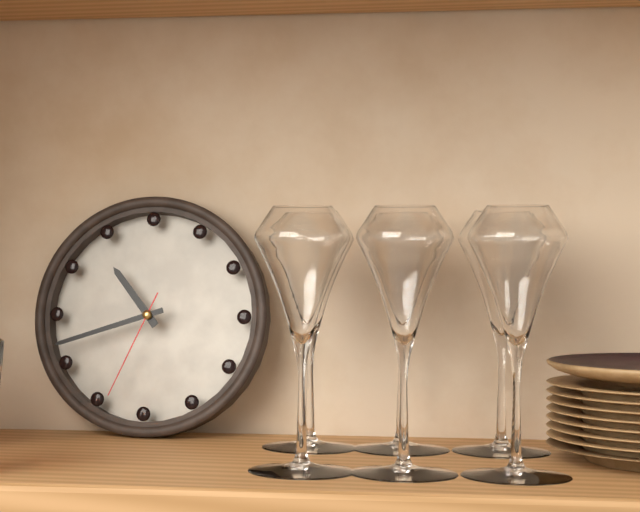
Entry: 10.42.34
